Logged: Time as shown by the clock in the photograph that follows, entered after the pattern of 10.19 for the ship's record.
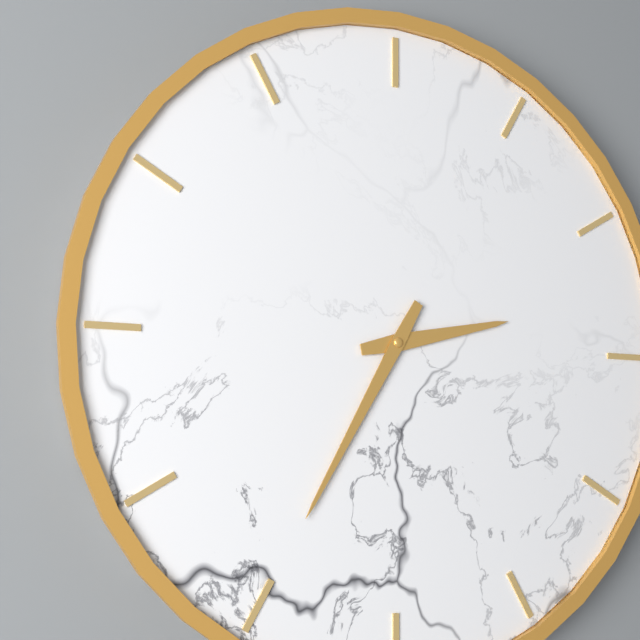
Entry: 2.35
